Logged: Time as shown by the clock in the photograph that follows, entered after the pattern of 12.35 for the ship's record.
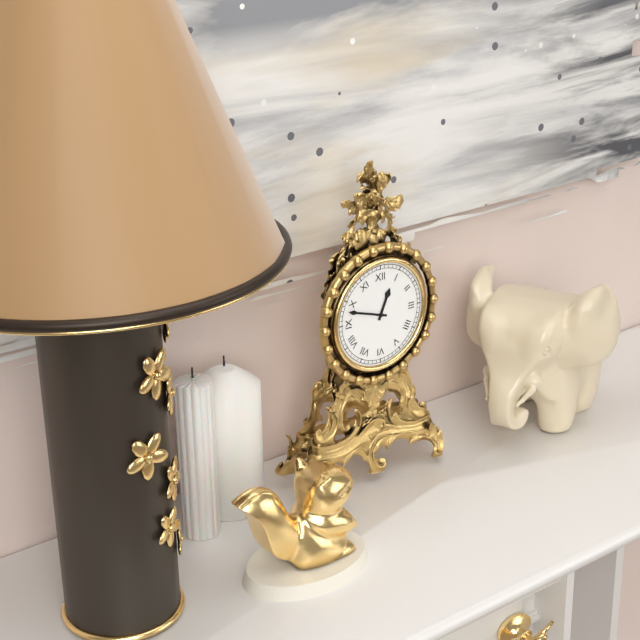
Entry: 12.48
